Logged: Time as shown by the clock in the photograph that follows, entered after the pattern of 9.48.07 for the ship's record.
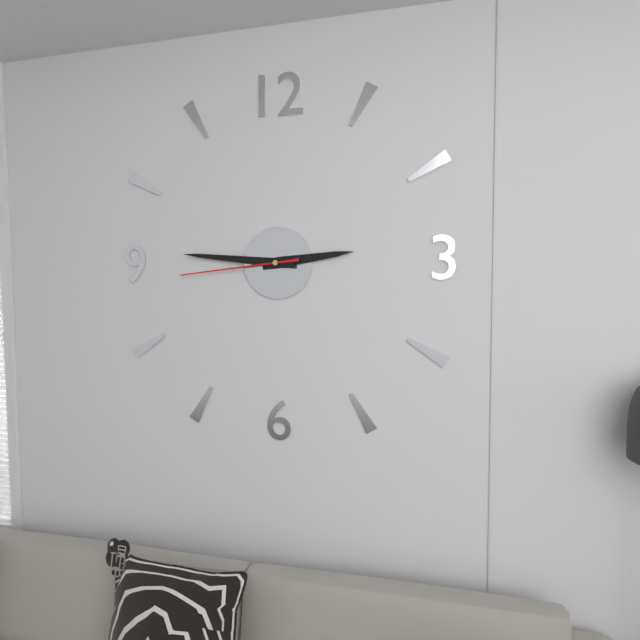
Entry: 2.46.44
